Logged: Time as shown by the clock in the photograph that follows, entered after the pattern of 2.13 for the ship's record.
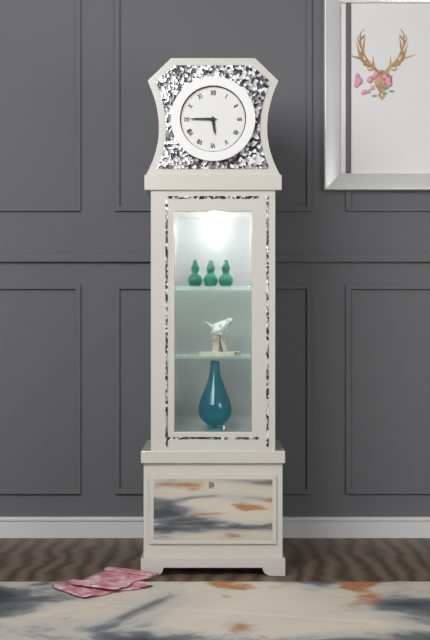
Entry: 5.45
